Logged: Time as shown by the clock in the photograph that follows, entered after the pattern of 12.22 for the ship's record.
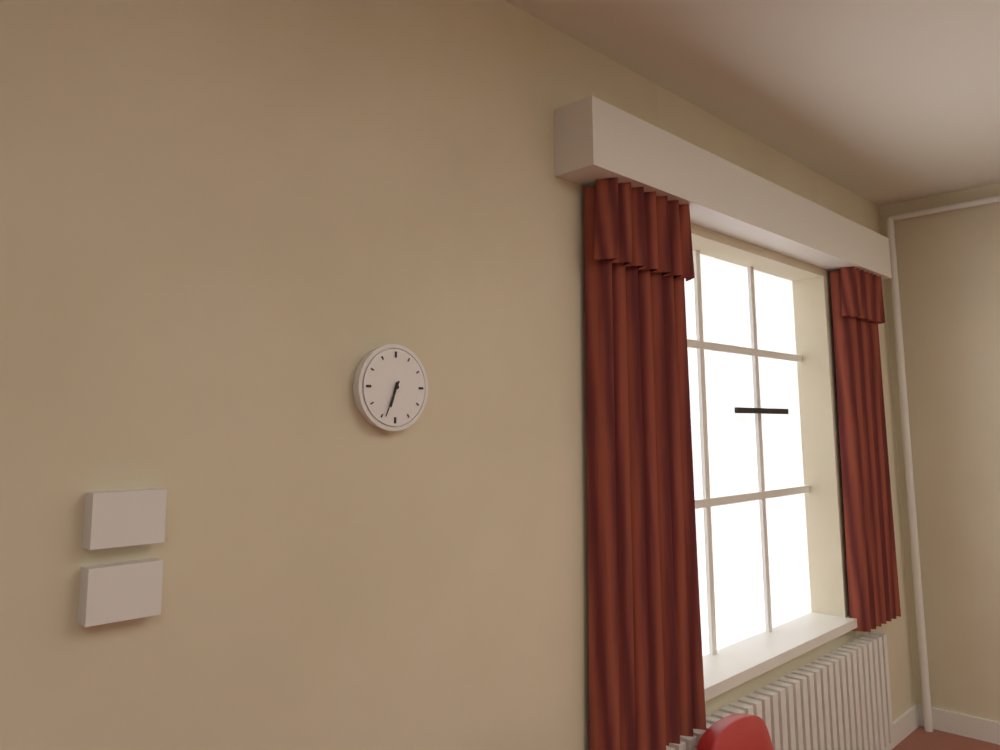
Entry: 6.34
